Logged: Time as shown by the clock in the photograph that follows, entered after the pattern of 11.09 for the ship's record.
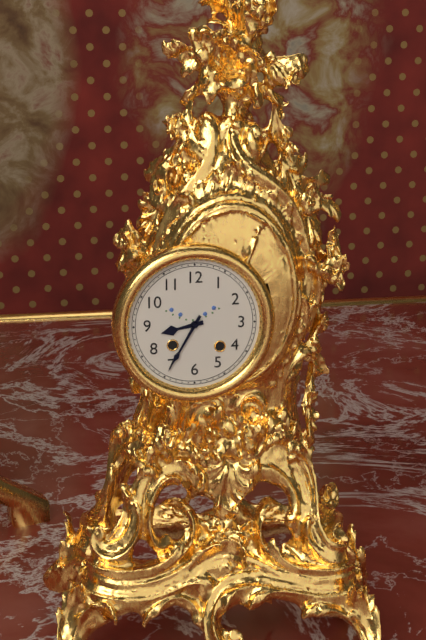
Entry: 8.35
